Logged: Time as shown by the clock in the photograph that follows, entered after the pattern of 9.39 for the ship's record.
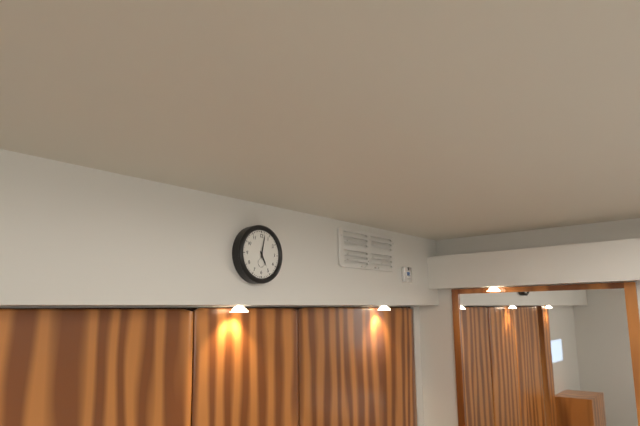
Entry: 5.02
